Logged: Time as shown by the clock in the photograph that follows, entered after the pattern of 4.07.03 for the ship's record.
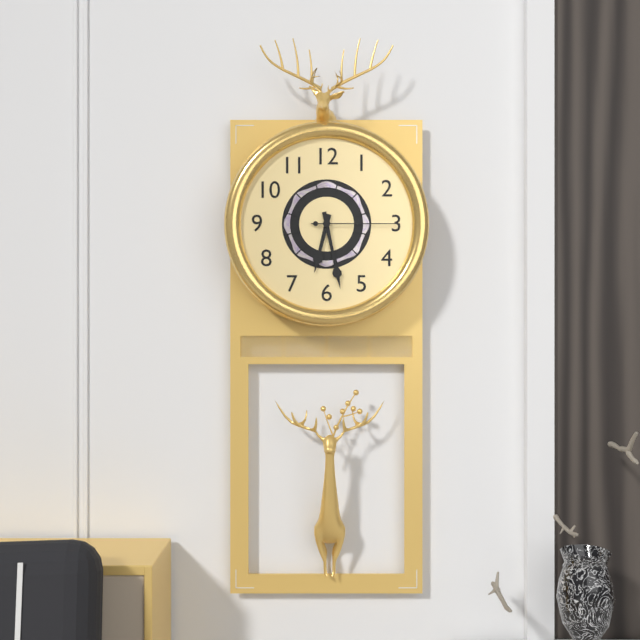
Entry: 6.28.15
